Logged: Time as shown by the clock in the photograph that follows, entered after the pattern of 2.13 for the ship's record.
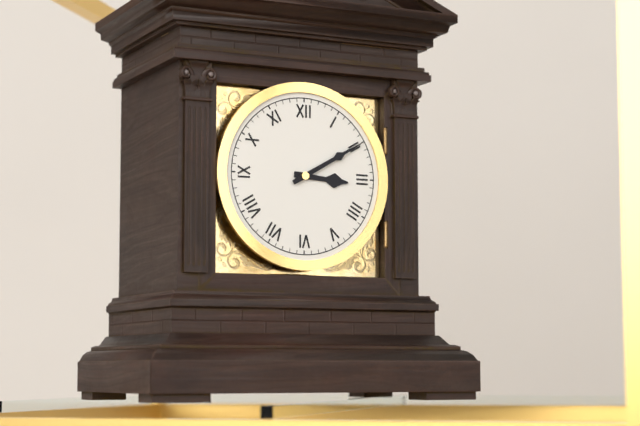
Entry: 3.10
